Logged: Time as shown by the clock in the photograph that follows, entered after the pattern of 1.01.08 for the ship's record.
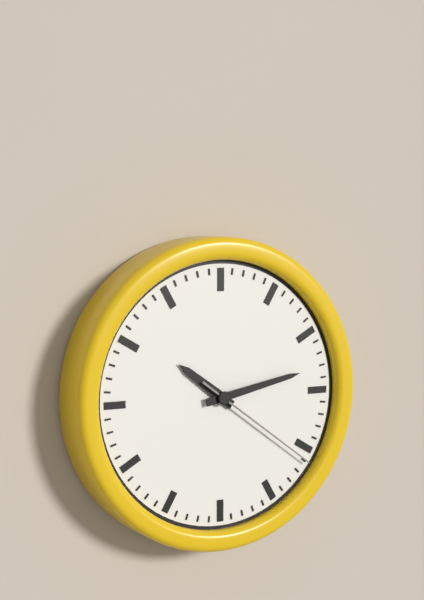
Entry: 10.13.21
